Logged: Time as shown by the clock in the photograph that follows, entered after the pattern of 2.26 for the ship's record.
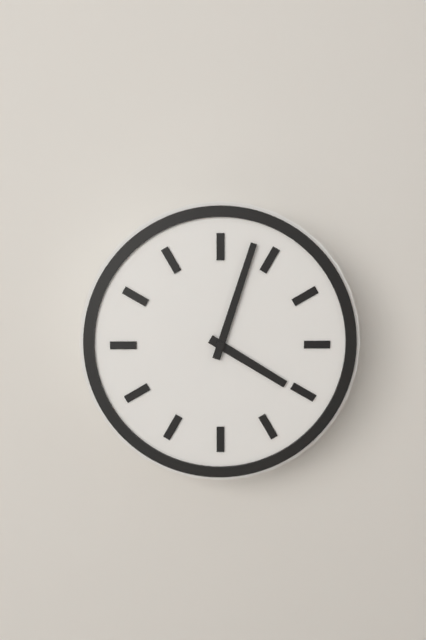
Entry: 4.03
